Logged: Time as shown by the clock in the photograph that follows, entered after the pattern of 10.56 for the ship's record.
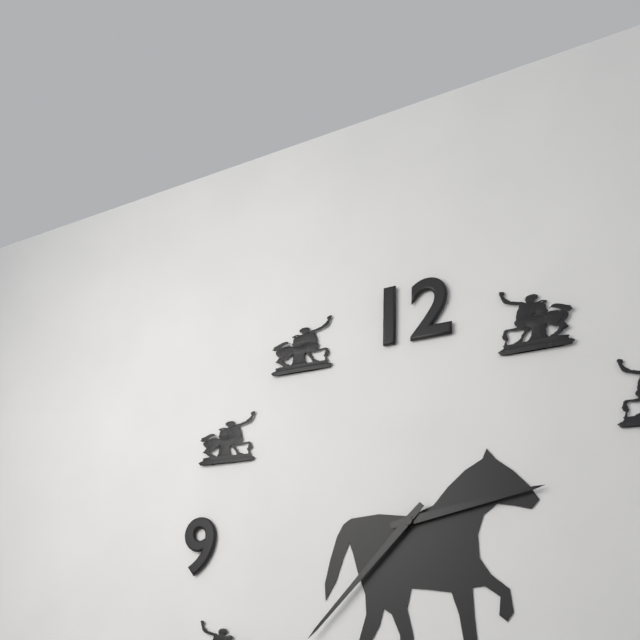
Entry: 2.37
